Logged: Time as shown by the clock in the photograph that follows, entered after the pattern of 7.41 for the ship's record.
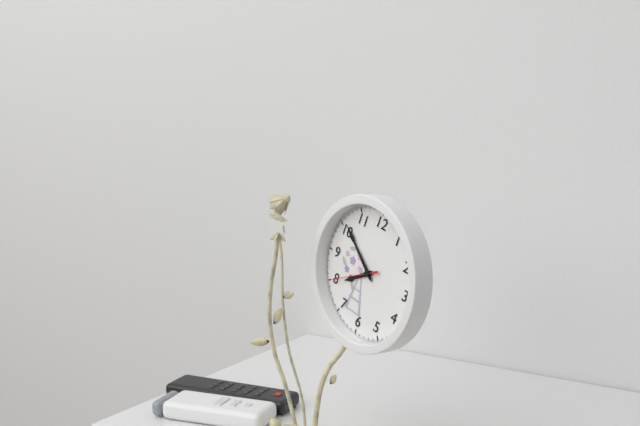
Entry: 7.51
